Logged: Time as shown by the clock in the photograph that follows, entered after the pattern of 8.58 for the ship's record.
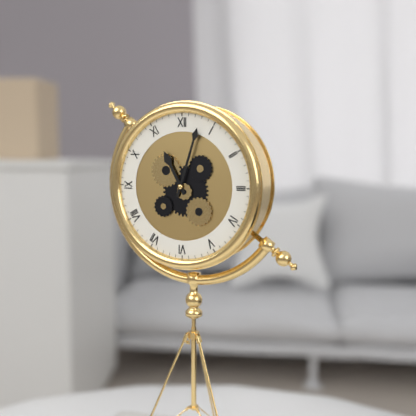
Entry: 11.03
